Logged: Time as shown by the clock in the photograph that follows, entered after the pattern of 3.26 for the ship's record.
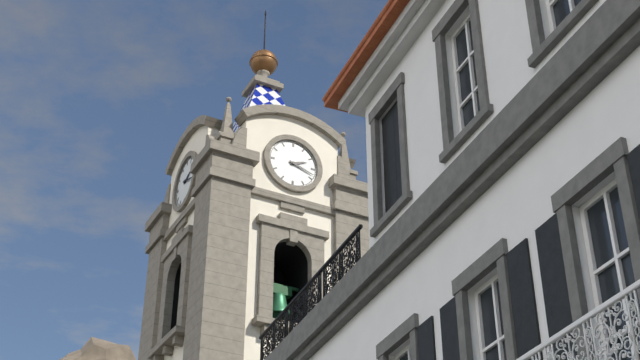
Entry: 2.18
